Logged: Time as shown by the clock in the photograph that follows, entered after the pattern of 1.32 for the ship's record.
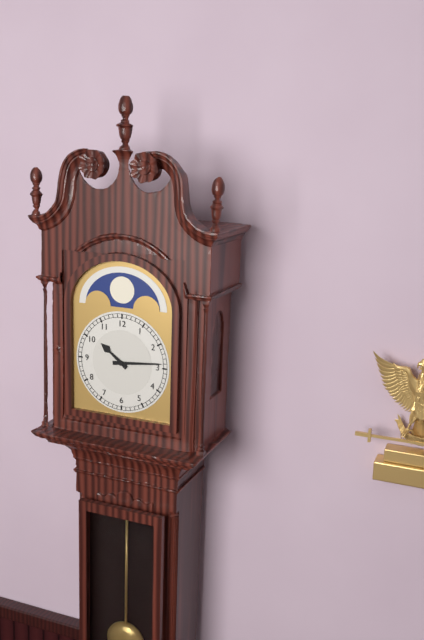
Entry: 10.14
